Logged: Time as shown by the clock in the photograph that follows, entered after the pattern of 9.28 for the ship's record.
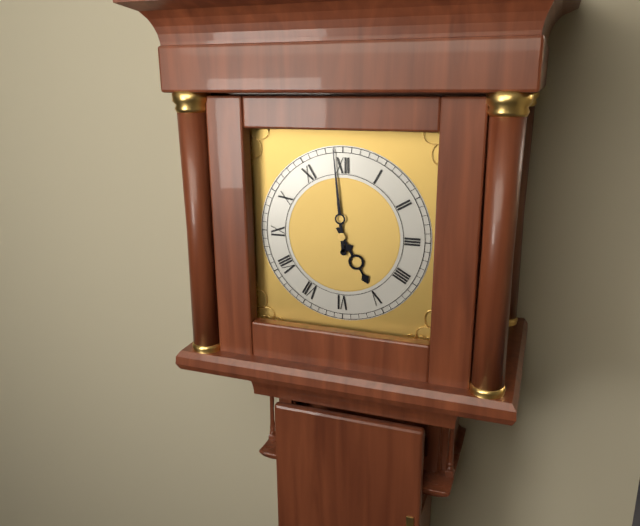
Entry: 4.59
